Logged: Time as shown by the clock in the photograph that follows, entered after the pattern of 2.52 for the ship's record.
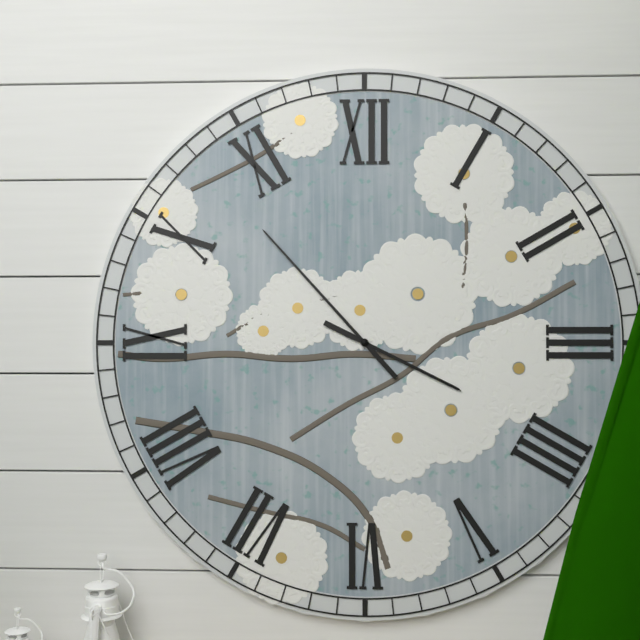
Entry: 3.53
